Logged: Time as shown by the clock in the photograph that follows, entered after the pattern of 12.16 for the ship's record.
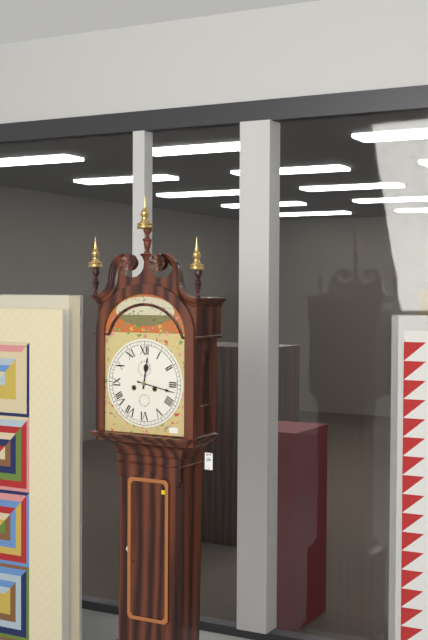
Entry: 12.17
